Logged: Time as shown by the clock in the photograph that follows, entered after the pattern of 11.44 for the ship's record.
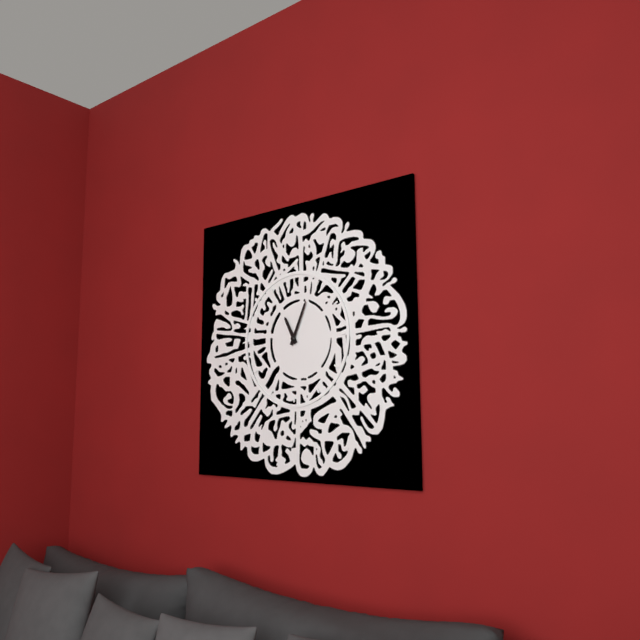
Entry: 11.04
